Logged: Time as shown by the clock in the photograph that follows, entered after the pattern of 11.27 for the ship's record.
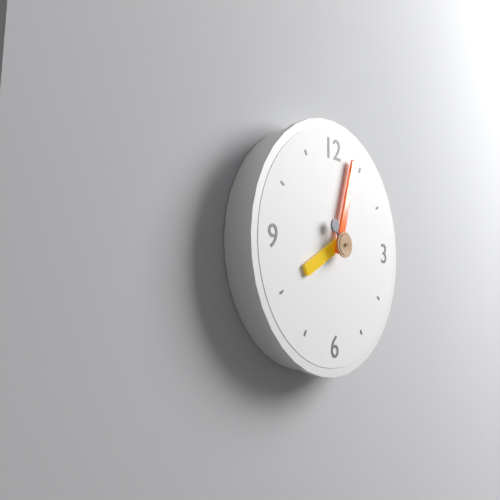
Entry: 8.03
